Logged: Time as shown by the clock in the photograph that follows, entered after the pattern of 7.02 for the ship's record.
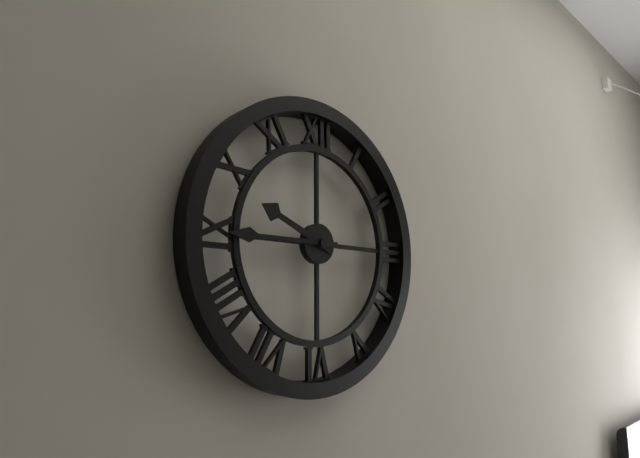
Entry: 9.45
